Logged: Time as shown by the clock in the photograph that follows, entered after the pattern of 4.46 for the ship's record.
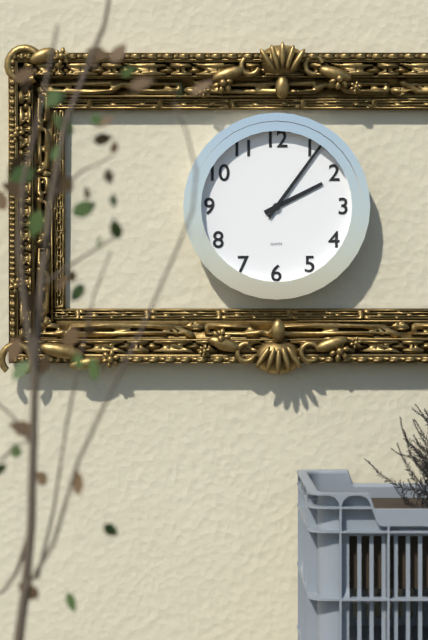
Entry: 2.06
